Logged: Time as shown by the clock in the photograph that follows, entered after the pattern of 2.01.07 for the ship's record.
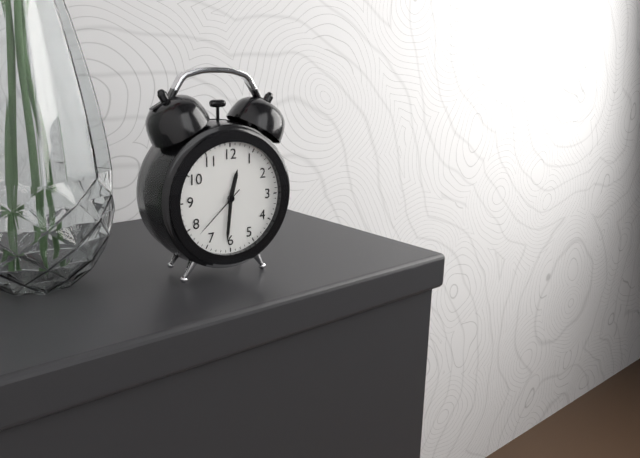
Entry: 12.31.38
